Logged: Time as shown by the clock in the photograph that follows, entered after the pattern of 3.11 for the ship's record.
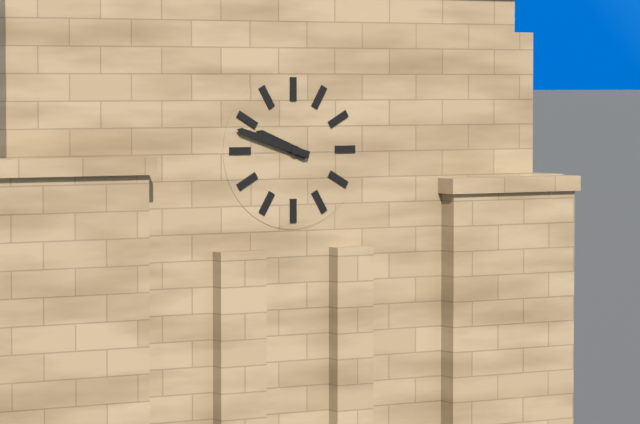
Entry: 9.48
